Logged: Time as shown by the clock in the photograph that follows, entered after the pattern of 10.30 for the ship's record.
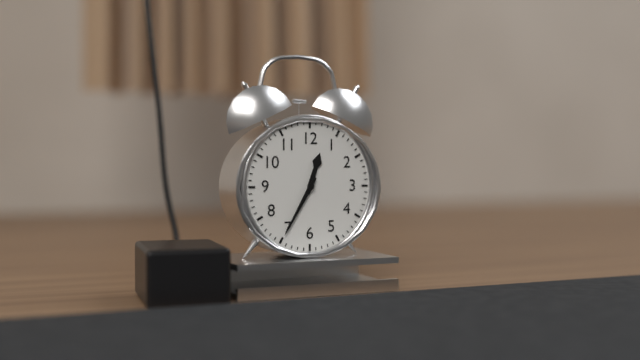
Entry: 12.35
